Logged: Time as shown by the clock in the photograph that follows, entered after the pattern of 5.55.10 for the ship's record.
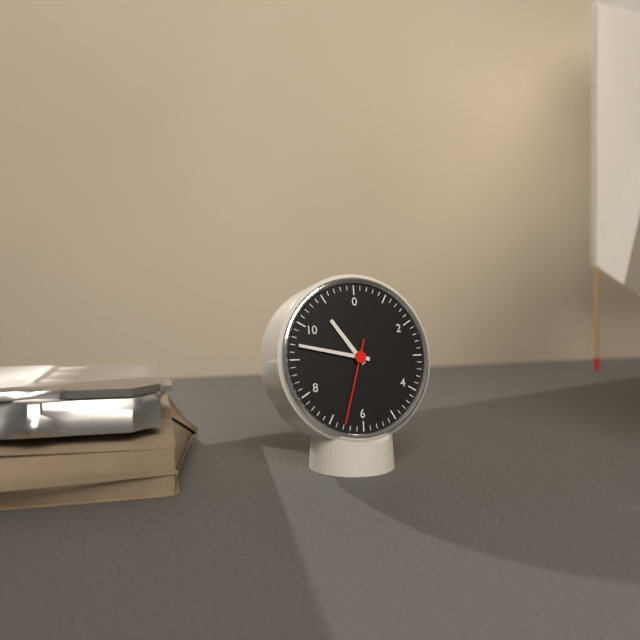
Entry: 10.47.33
